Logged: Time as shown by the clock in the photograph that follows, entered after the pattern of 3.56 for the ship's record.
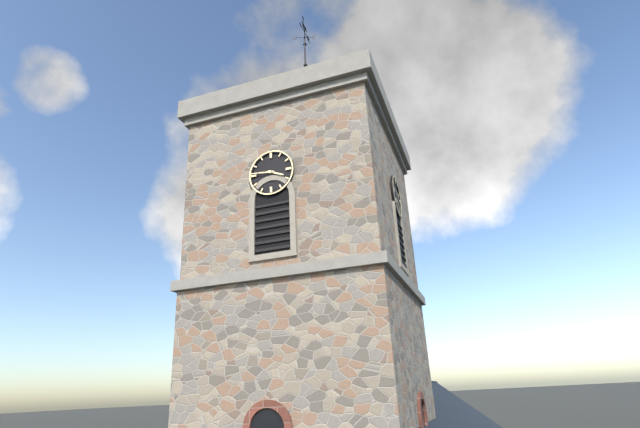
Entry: 3.46
